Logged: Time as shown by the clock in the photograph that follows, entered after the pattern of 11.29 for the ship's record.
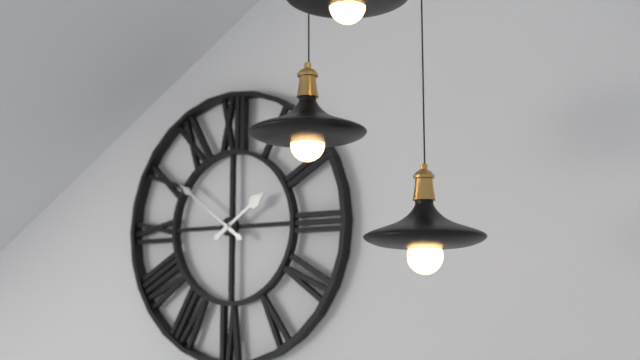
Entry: 1.51
